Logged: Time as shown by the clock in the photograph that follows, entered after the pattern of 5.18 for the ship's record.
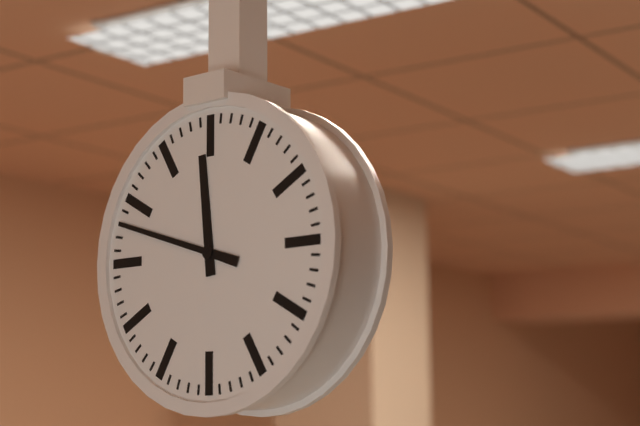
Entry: 11.48
